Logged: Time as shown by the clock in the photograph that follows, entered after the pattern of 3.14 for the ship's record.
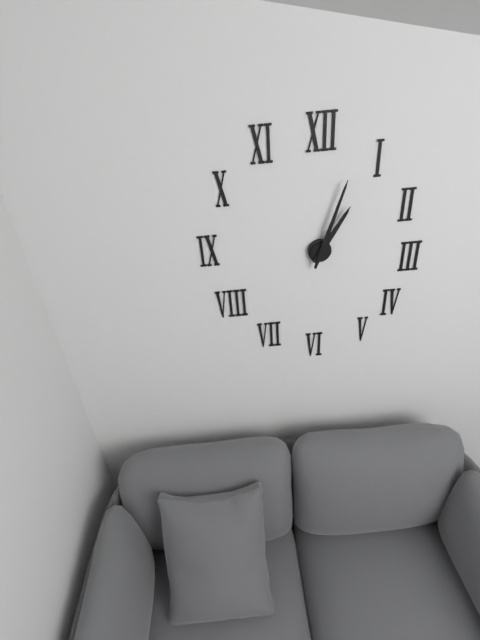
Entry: 1.03
